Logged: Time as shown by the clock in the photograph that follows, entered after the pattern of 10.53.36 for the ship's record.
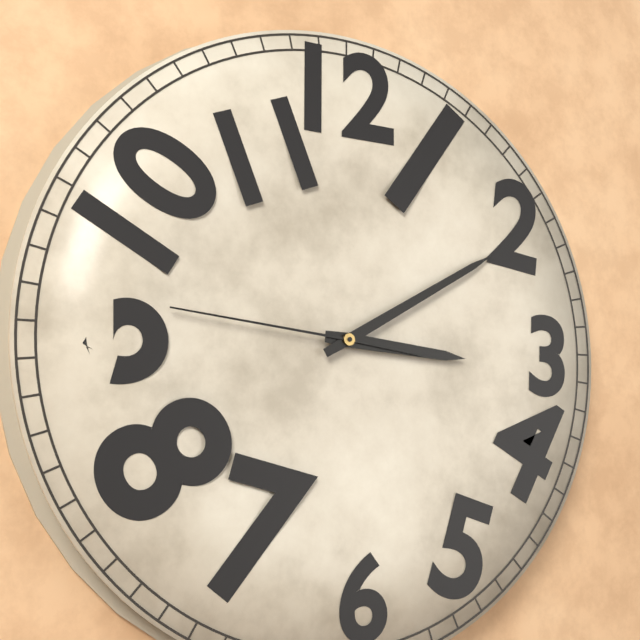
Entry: 3.10.46
